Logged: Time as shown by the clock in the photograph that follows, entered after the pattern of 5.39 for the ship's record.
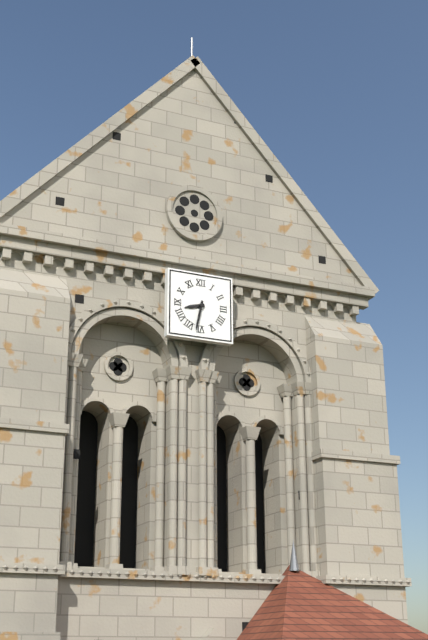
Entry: 8.32
